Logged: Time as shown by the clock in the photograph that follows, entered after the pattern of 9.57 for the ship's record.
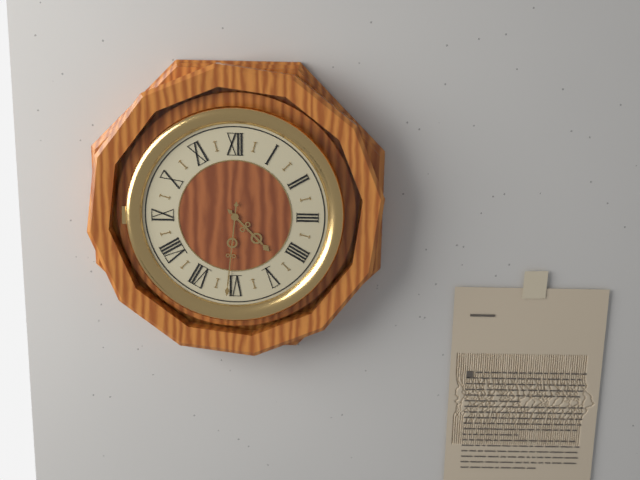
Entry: 4.31
